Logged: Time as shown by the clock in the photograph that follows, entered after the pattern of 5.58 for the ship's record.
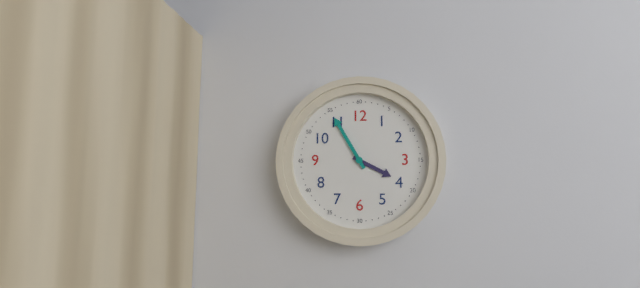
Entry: 3.55
